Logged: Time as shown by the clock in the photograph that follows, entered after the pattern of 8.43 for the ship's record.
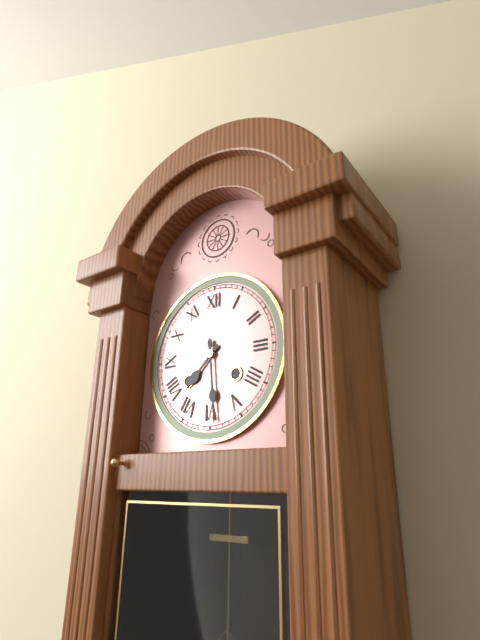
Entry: 7.29
